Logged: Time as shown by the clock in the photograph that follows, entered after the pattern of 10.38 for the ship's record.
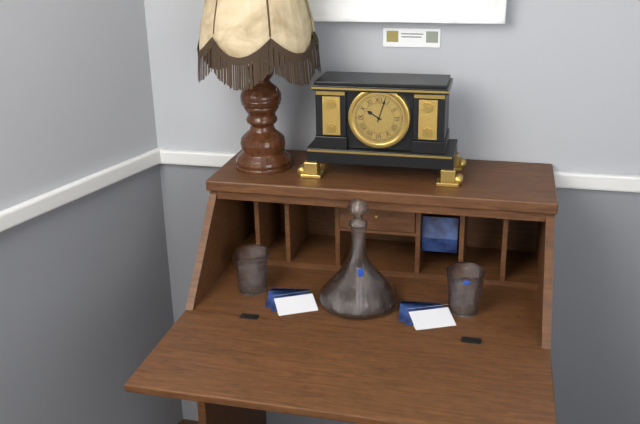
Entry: 10.03
